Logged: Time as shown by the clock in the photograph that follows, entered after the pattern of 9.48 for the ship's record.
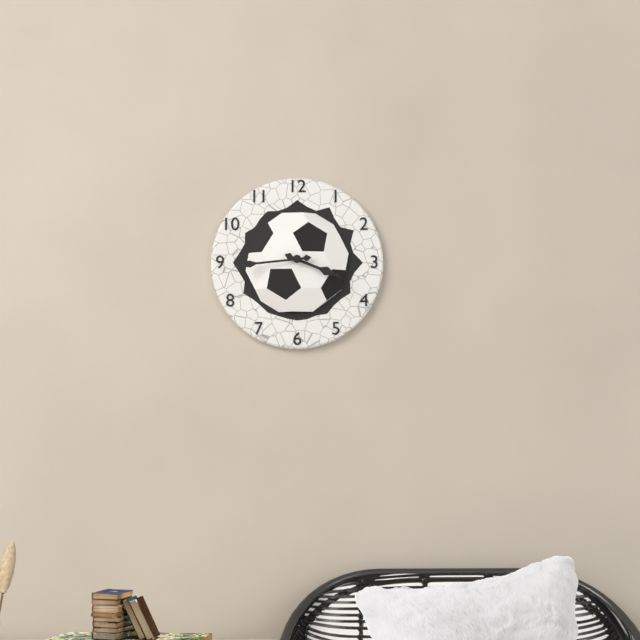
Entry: 3.44
